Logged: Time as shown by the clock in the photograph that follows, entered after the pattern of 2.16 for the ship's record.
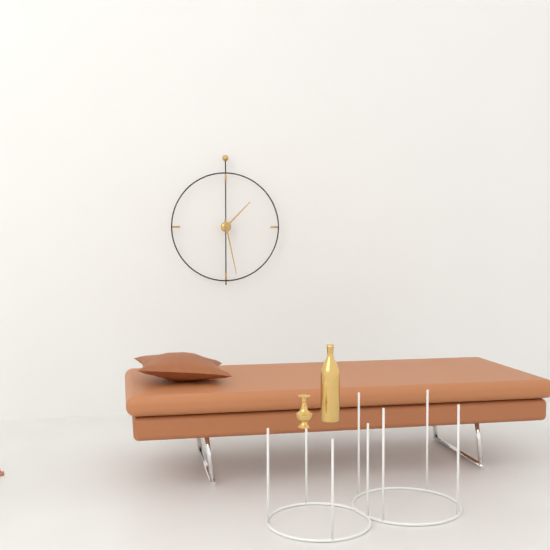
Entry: 1.28
